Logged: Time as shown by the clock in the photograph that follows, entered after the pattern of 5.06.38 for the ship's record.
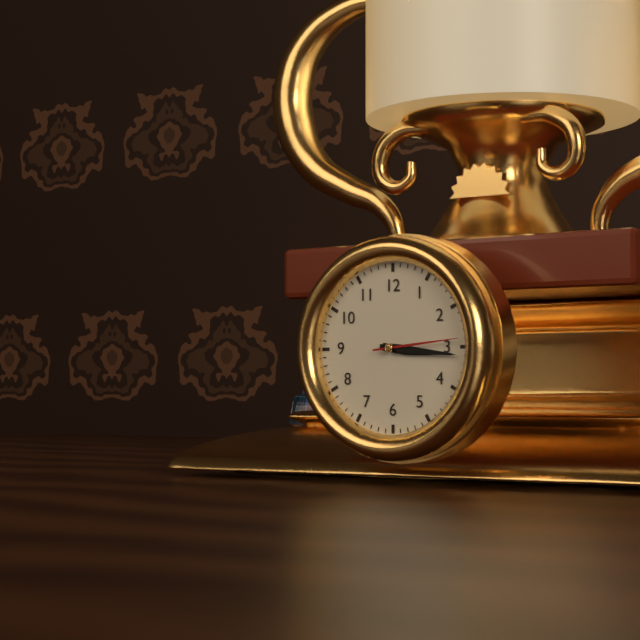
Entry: 3.16.14
